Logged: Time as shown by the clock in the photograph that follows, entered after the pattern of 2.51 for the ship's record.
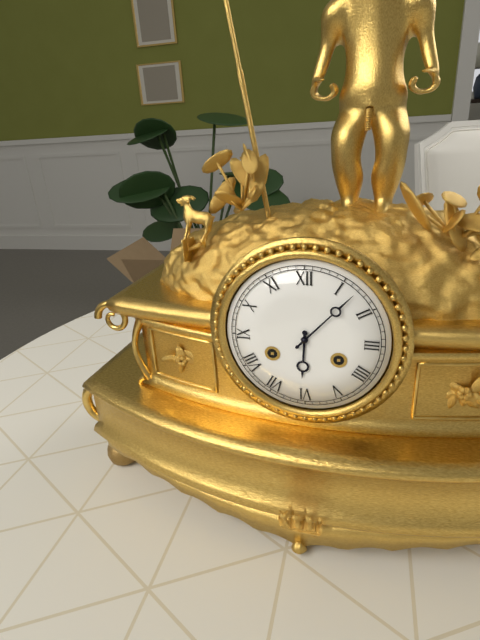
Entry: 6.07
